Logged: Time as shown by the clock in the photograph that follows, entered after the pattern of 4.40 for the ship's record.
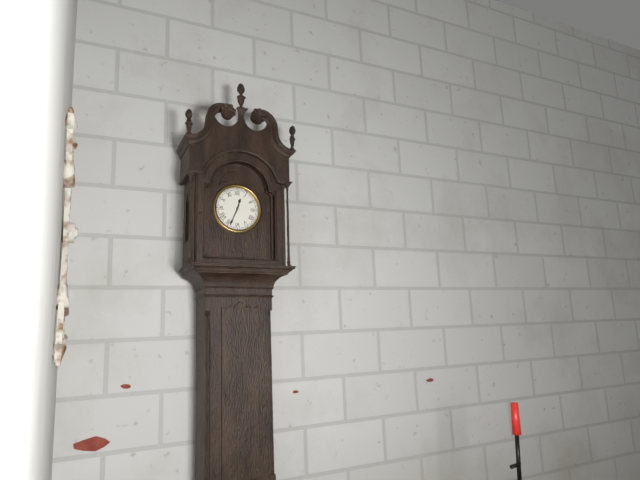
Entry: 12.34
